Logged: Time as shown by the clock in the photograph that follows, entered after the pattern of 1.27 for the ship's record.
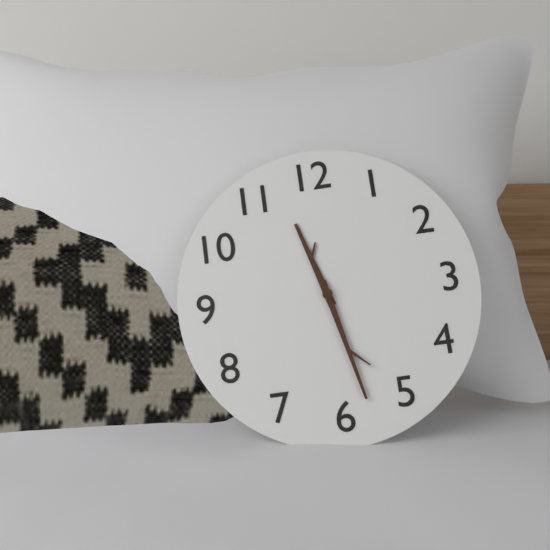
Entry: 11.28
